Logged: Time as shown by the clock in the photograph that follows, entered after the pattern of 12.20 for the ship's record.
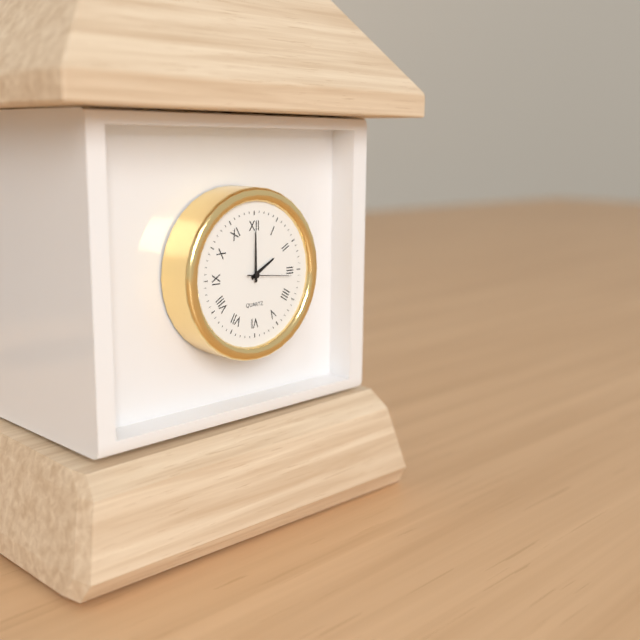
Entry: 2.00
